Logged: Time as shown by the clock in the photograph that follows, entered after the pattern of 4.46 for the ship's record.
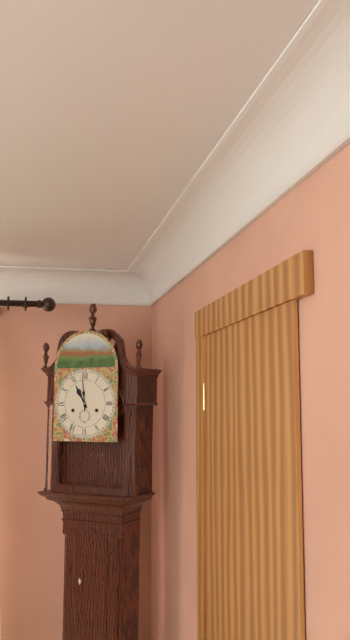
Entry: 10.59
